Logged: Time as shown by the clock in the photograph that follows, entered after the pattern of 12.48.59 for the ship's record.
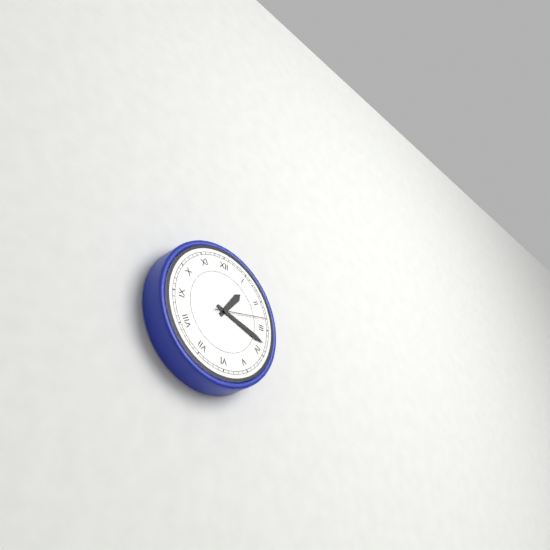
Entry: 1.18.13
